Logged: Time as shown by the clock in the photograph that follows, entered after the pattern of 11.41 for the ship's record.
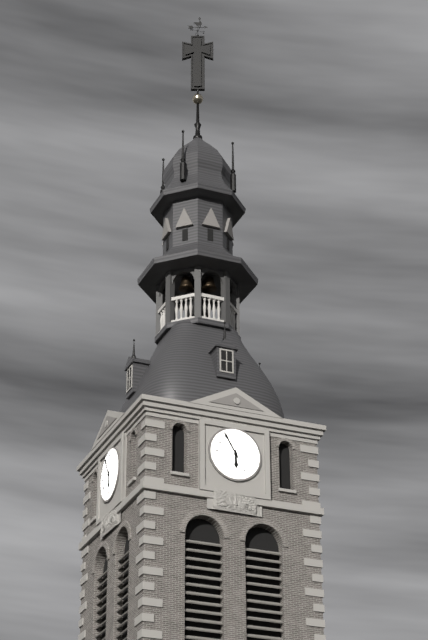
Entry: 5.55
